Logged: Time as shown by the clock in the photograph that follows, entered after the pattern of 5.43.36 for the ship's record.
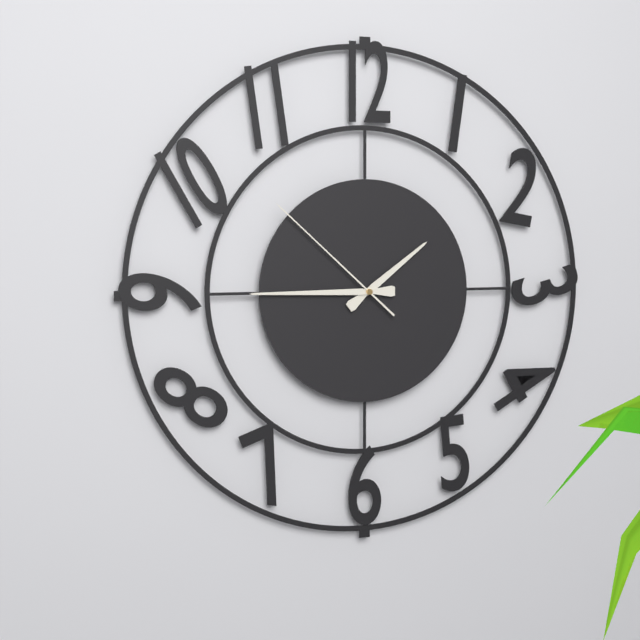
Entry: 1.45.52
